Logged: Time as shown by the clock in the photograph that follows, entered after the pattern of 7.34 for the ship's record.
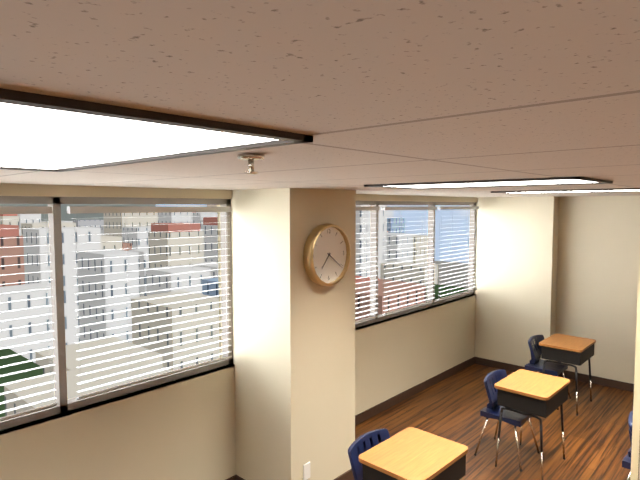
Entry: 7.21
